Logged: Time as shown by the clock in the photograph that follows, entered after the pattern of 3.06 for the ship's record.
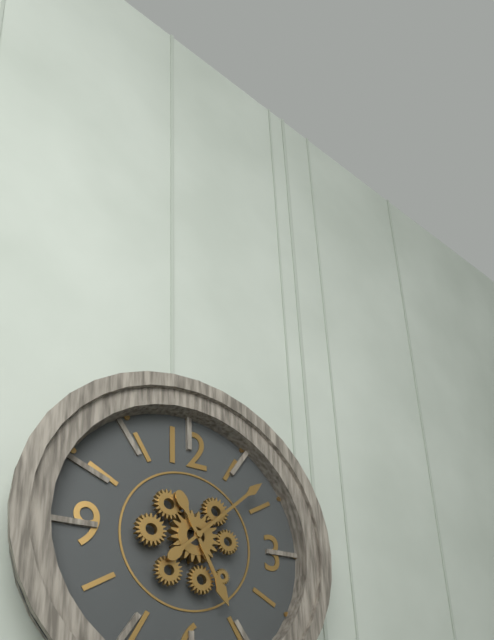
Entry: 5.08
